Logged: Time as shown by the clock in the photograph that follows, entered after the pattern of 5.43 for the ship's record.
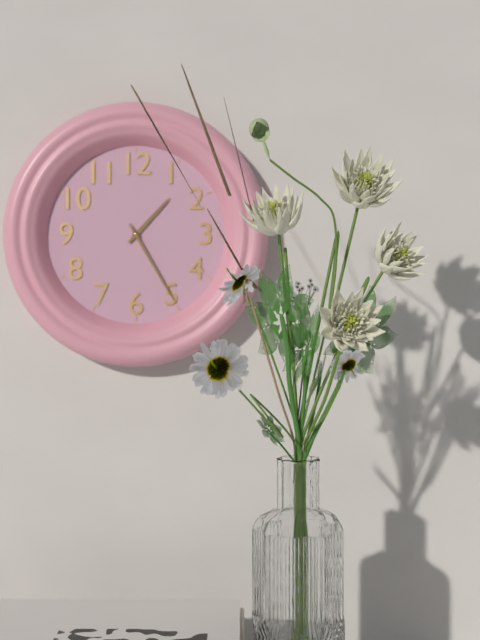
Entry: 1.25
